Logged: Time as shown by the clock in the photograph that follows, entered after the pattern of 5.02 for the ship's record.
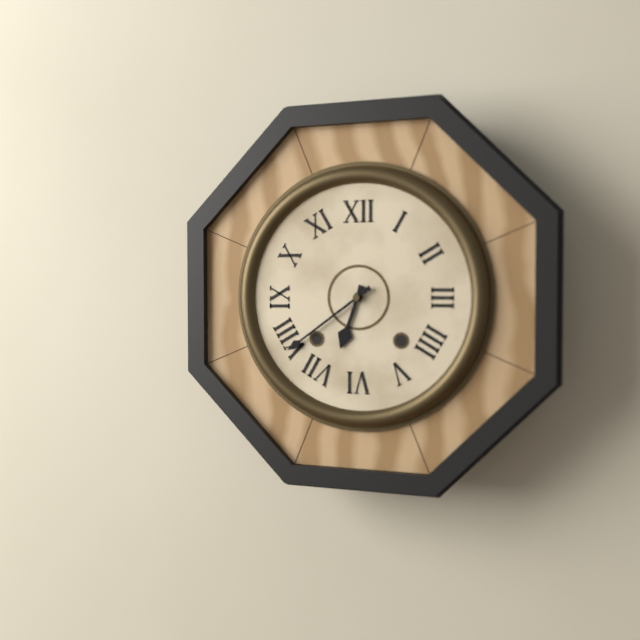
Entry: 6.39
